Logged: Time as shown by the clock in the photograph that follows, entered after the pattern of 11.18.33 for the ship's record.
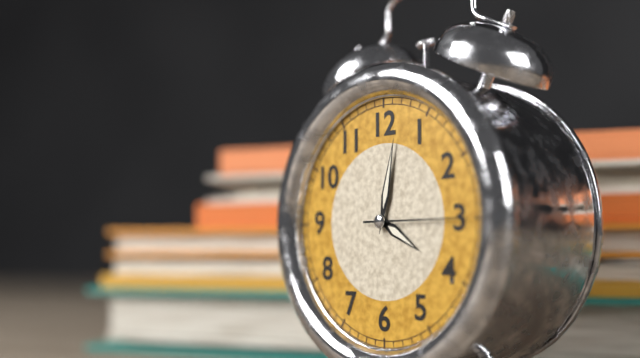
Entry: 4.02.15
